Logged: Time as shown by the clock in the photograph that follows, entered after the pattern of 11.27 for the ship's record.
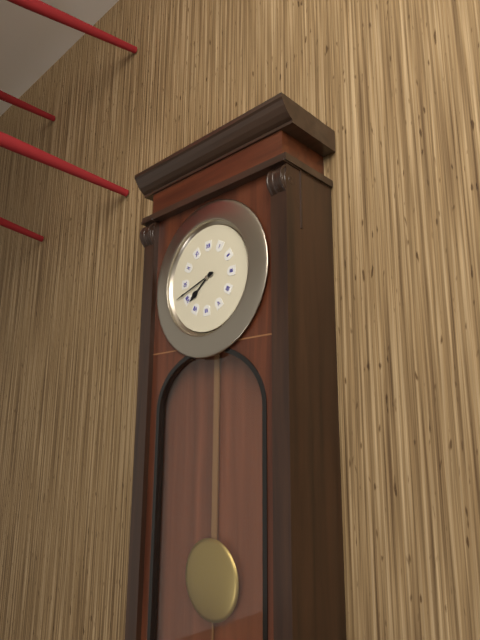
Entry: 7.42
